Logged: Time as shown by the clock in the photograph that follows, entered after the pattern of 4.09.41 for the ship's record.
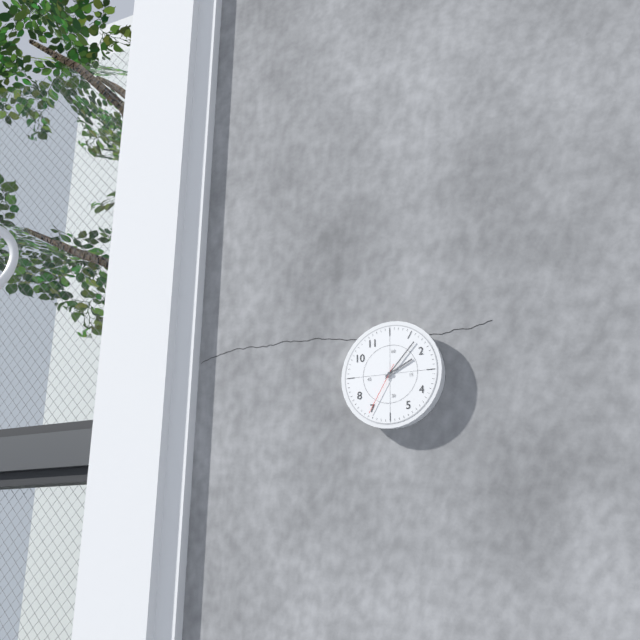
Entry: 2.07.35
